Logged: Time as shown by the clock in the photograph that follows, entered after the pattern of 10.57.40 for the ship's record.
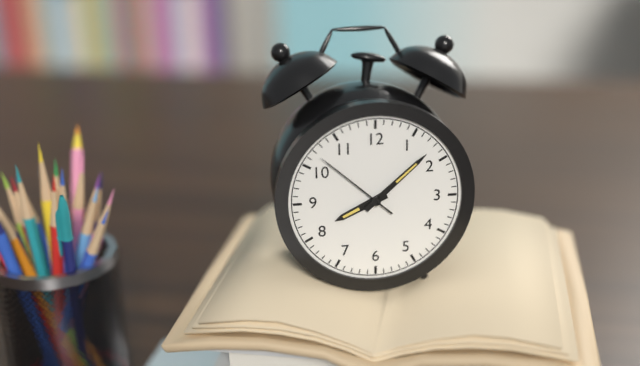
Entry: 8.08.52
